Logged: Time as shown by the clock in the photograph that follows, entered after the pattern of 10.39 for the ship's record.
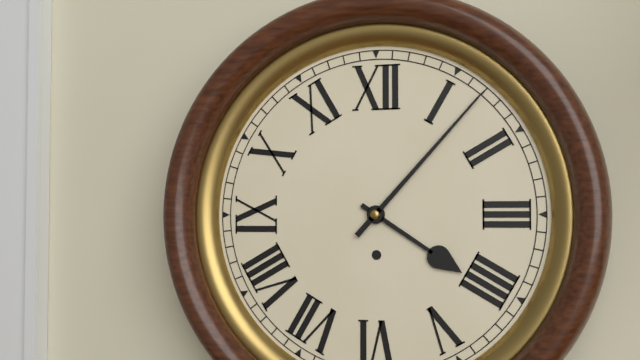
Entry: 4.07
